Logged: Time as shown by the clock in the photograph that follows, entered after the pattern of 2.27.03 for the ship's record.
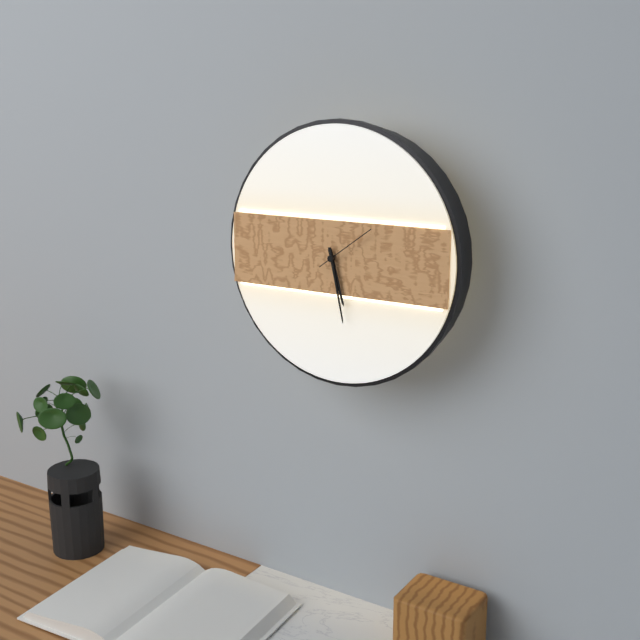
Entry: 5.28.09
